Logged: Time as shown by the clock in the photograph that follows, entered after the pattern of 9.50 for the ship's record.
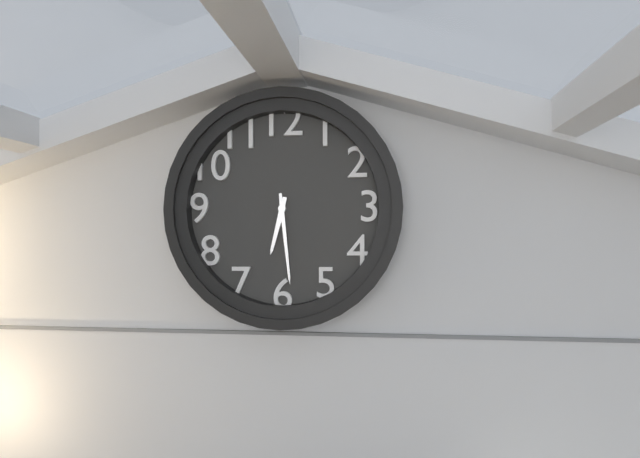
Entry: 6.29
